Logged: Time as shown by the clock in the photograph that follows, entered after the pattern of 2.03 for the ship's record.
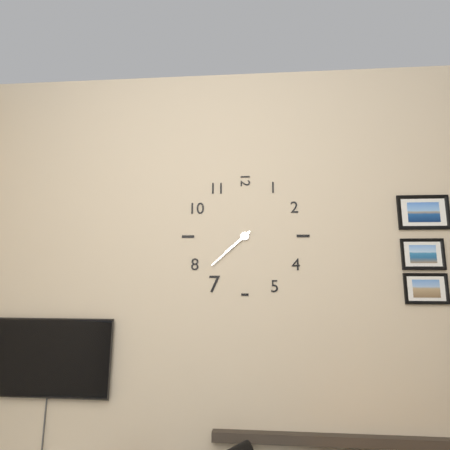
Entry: 7.38
